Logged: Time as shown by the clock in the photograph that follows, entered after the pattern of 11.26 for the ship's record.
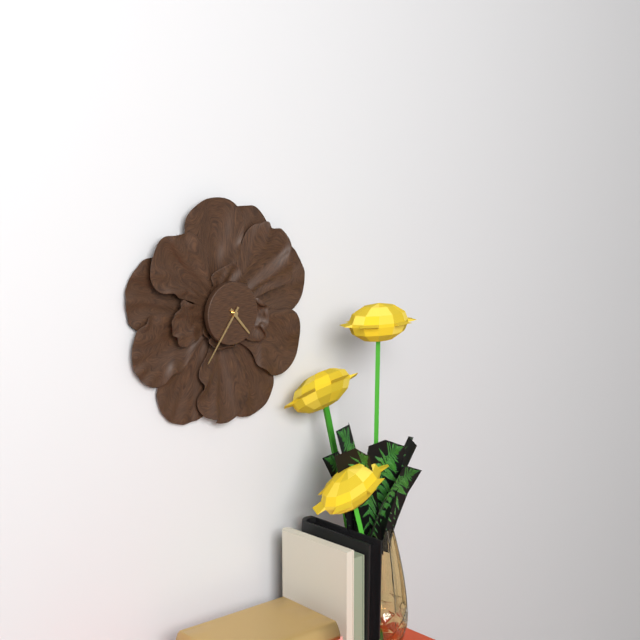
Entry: 4.36
